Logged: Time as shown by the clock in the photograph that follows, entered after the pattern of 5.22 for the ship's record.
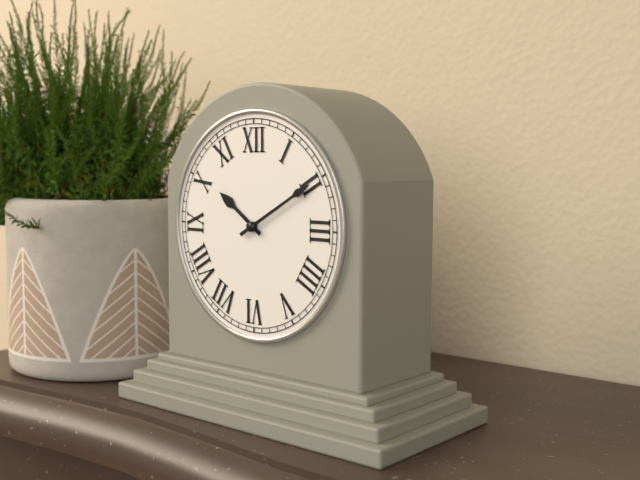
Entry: 10.10
